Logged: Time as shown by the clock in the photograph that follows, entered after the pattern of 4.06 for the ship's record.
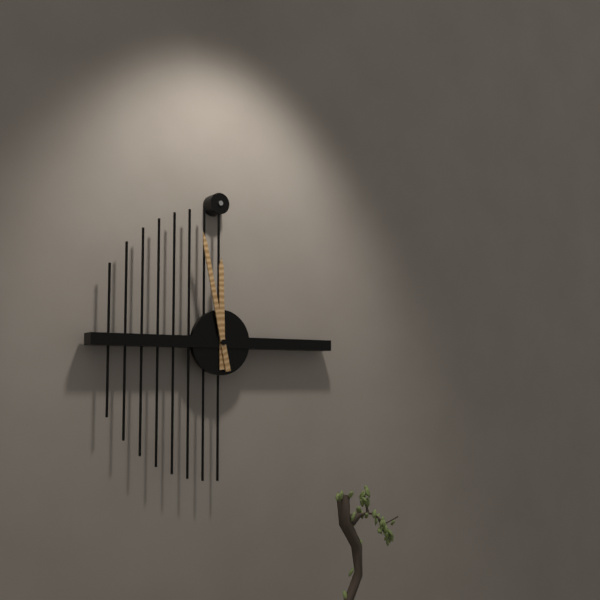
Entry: 11.58
